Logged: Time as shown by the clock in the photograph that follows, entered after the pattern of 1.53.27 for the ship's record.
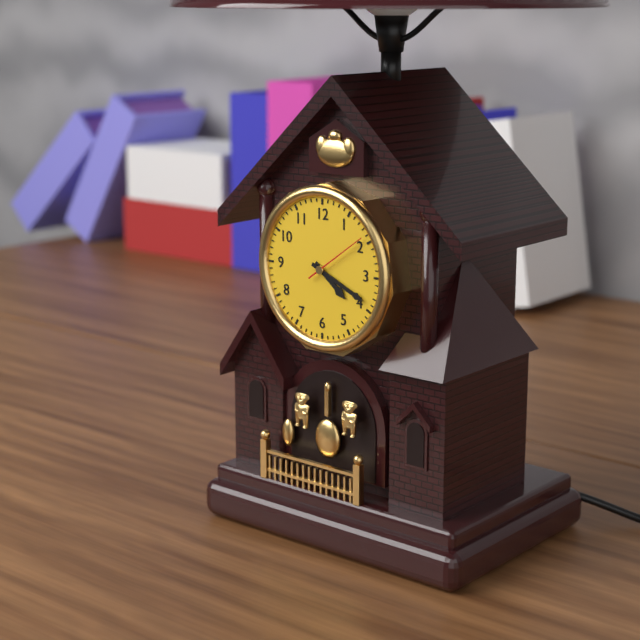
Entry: 4.19.09
